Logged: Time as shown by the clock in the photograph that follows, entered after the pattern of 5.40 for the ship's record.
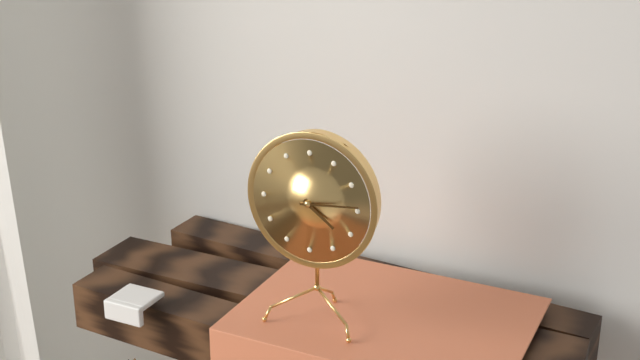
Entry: 4.14
